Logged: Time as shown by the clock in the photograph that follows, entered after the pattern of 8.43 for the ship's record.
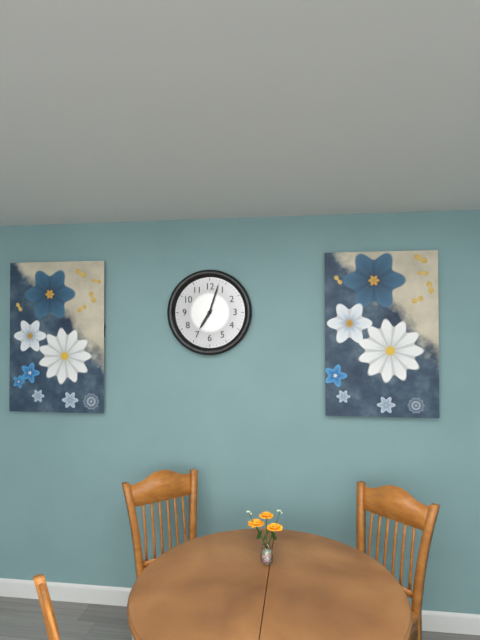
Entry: 7.03
